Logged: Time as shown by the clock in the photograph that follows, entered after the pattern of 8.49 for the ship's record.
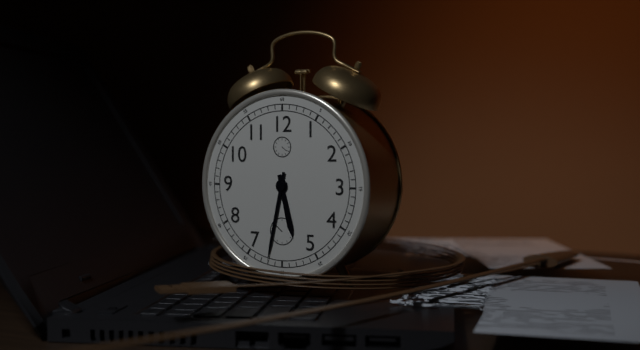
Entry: 5.32
